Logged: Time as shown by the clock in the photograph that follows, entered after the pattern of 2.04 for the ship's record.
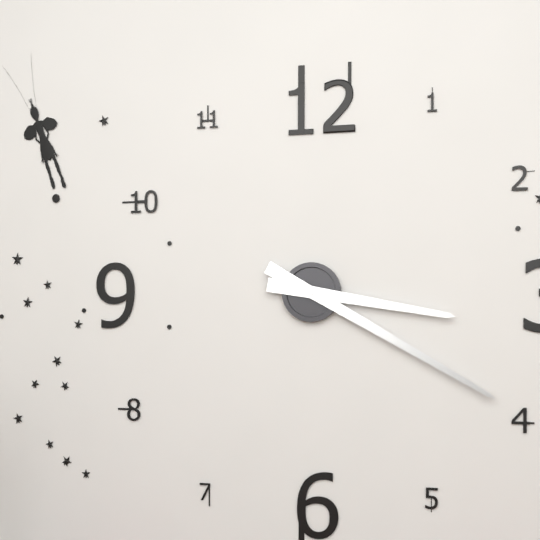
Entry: 3.20
